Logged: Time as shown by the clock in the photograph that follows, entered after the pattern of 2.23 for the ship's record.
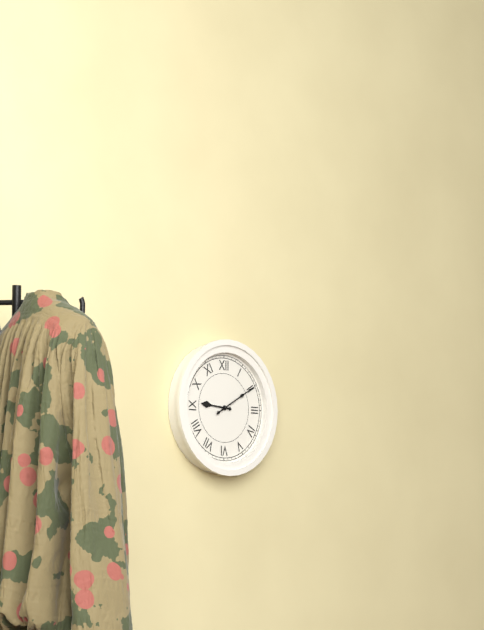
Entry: 9.10
